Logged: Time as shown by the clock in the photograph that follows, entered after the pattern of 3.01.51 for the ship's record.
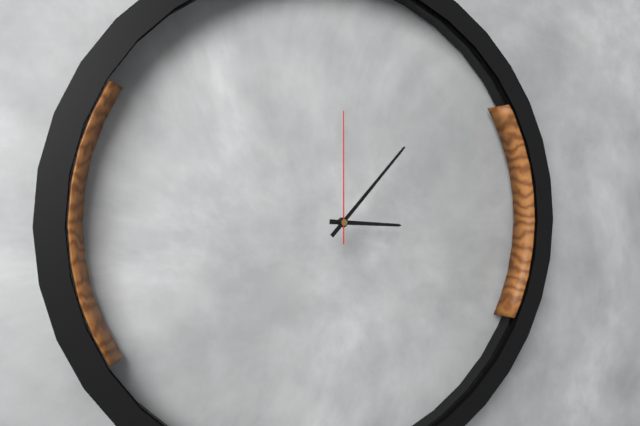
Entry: 3.07.00
